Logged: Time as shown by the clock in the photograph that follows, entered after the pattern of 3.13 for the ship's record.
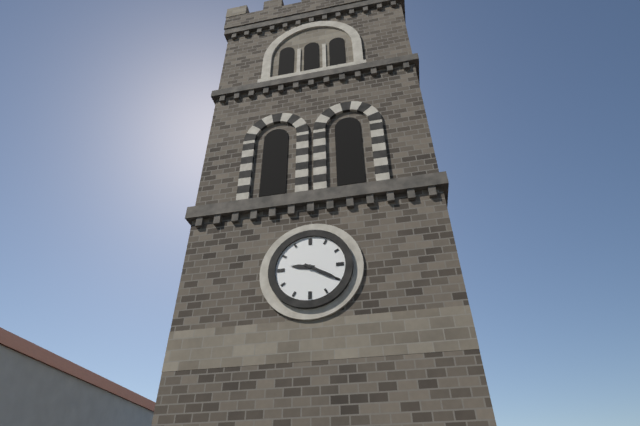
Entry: 9.20
